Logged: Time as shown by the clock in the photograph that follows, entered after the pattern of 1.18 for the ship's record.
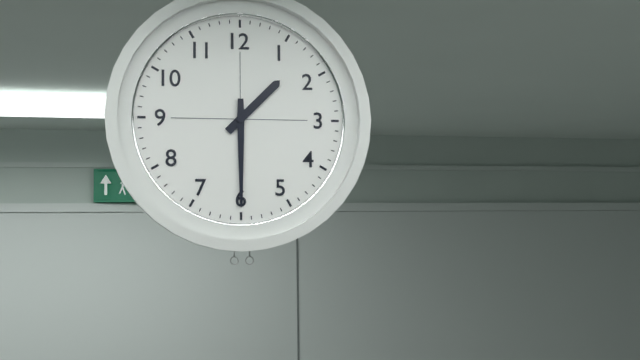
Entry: 1.30
